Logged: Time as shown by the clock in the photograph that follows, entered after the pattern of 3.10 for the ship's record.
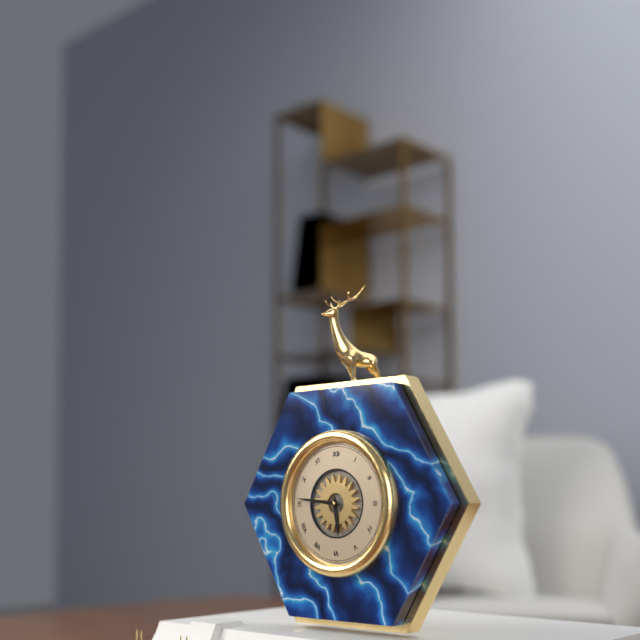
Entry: 5.46
